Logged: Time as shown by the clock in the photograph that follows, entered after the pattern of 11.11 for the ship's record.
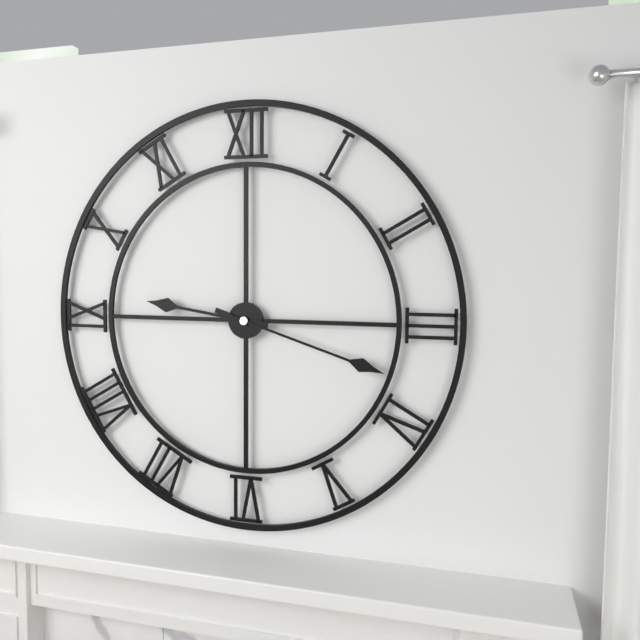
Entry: 9.18
